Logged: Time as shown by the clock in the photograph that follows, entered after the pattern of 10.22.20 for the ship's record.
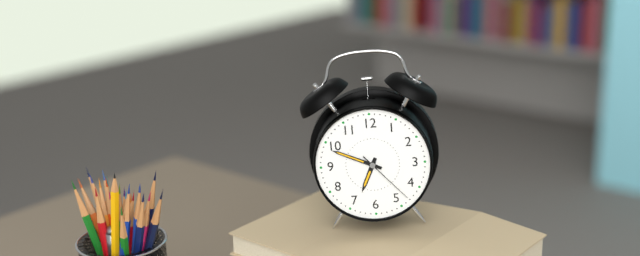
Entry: 6.49.23
